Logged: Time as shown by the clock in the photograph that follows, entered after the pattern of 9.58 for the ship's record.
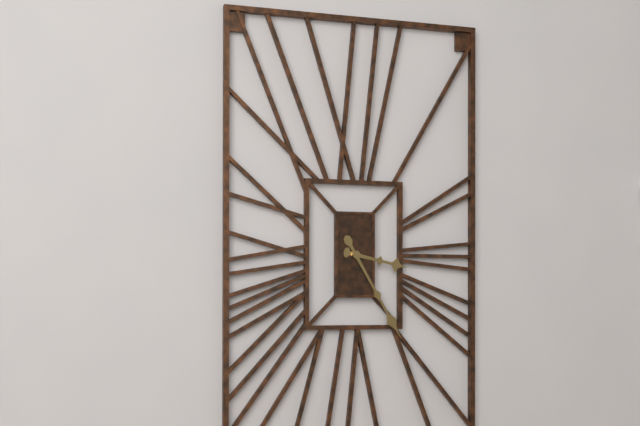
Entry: 3.25
